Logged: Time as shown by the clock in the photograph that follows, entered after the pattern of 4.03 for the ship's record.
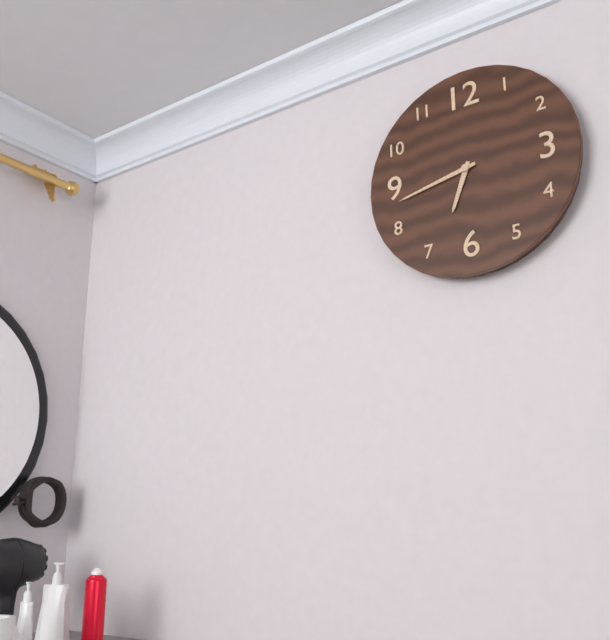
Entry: 6.43
